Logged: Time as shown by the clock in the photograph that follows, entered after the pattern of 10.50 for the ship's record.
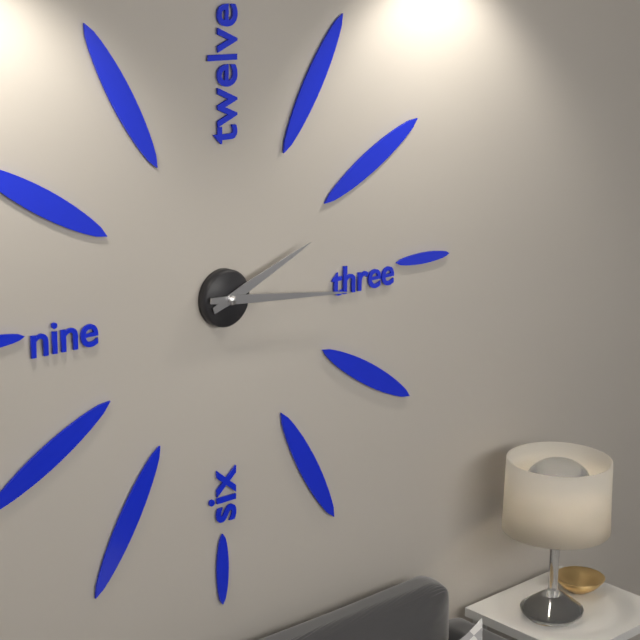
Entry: 2.16
